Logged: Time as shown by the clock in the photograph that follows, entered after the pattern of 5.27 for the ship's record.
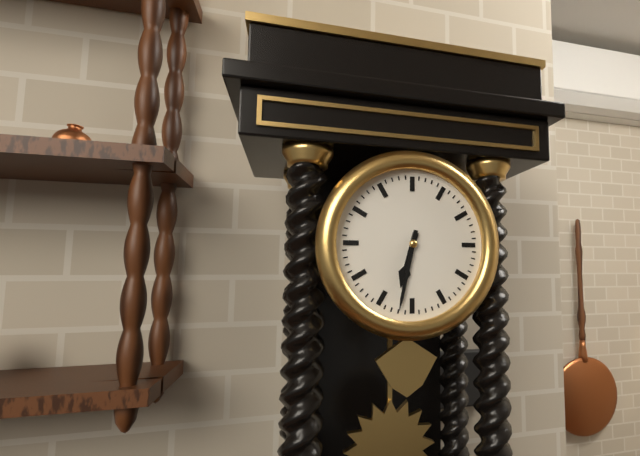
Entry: 6.32
